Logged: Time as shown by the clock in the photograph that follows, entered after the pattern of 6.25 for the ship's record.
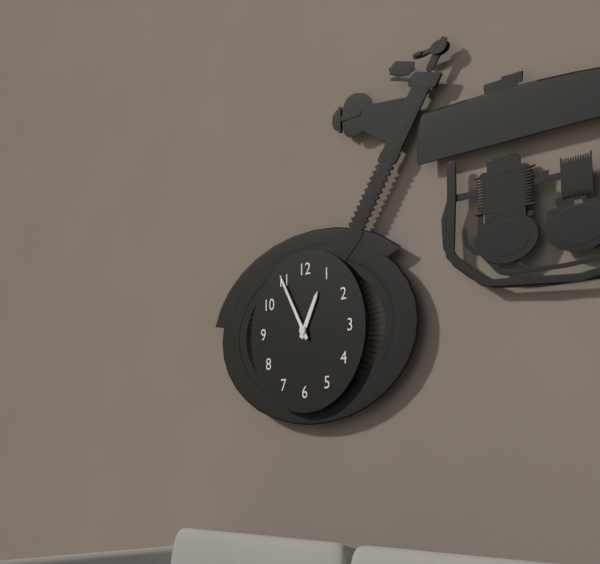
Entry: 12.55
